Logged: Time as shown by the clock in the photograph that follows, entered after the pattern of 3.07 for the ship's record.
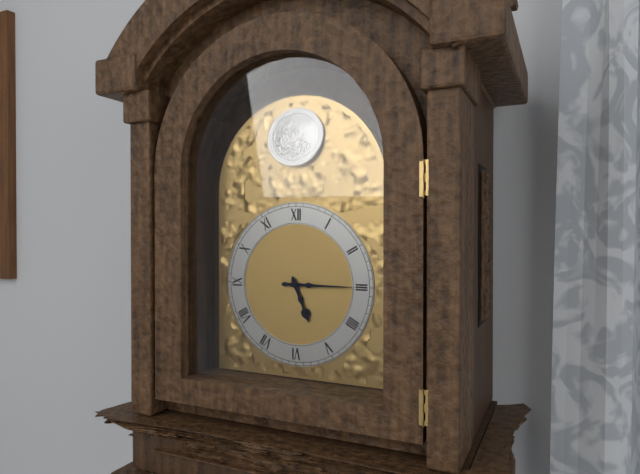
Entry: 5.15
